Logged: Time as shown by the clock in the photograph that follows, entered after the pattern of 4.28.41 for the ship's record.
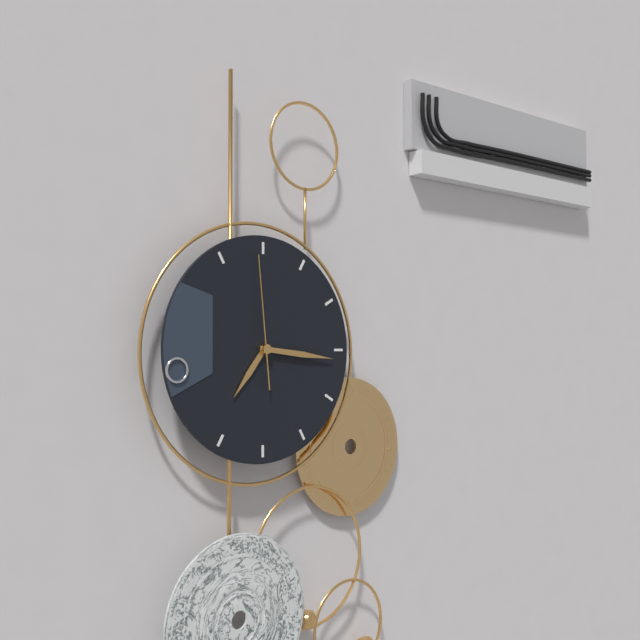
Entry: 7.16.59
